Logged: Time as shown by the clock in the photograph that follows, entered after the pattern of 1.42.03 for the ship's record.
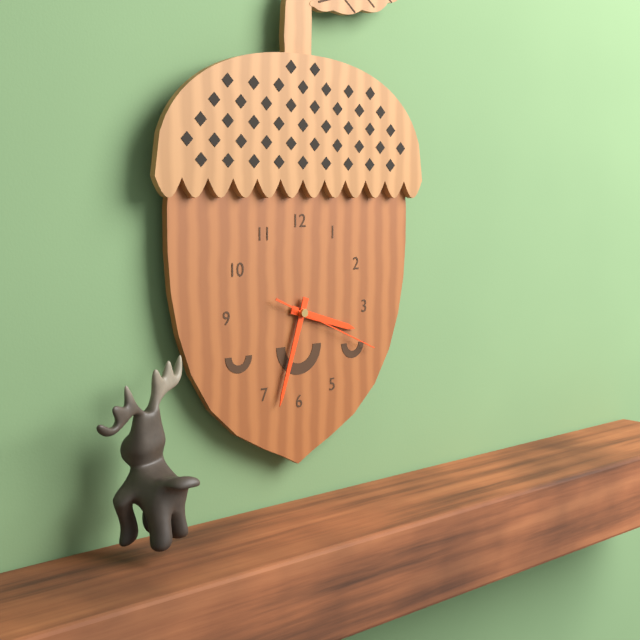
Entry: 3.33.19
